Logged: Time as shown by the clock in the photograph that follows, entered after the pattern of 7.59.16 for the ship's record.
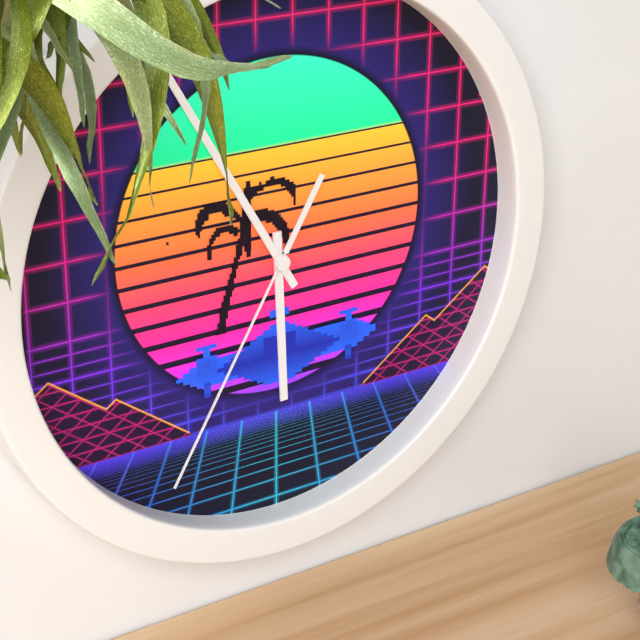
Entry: 5.55.35
